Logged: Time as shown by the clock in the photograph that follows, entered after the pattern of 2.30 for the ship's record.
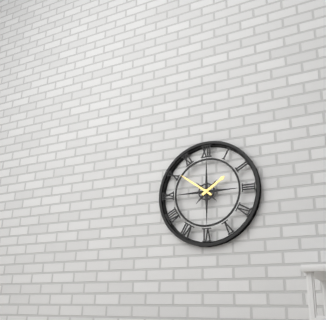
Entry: 1.51
